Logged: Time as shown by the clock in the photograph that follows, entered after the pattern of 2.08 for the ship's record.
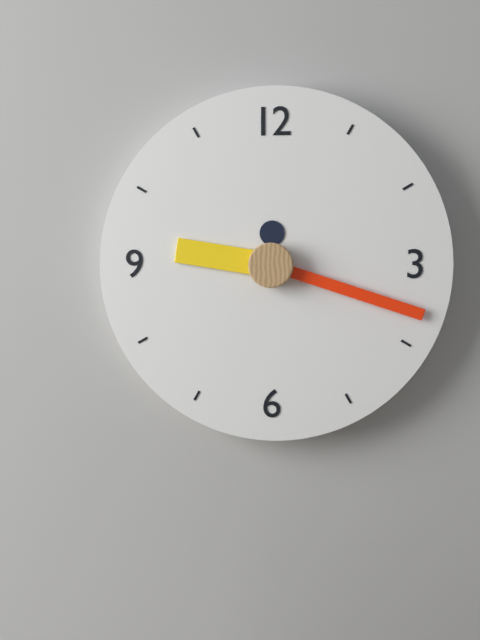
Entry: 9.18
